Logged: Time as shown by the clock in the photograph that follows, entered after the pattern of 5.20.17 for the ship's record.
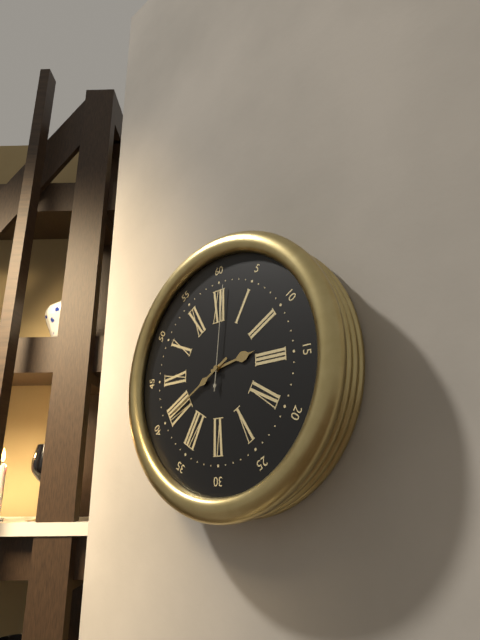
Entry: 2.40.01
